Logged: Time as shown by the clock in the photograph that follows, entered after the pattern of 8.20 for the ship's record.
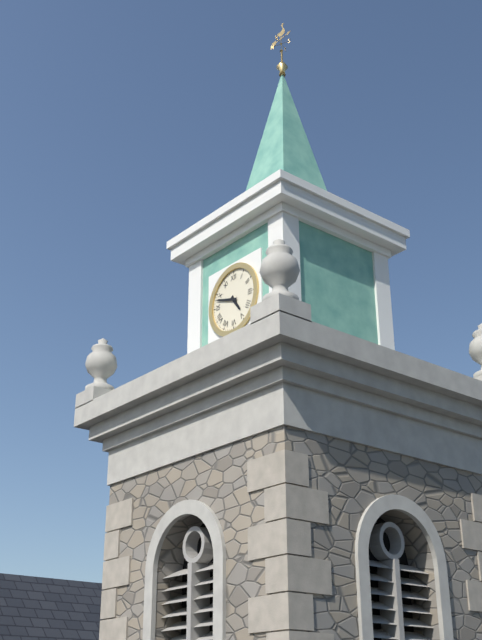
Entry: 4.48
